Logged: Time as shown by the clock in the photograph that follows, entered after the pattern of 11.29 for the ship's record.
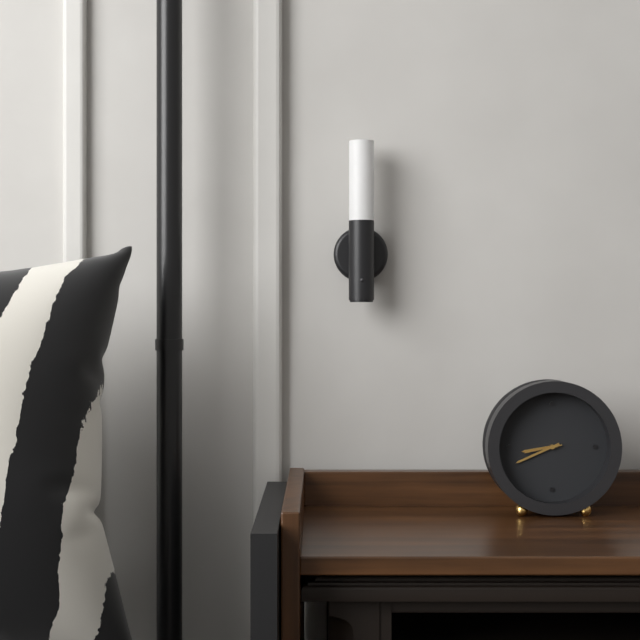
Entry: 8.41
